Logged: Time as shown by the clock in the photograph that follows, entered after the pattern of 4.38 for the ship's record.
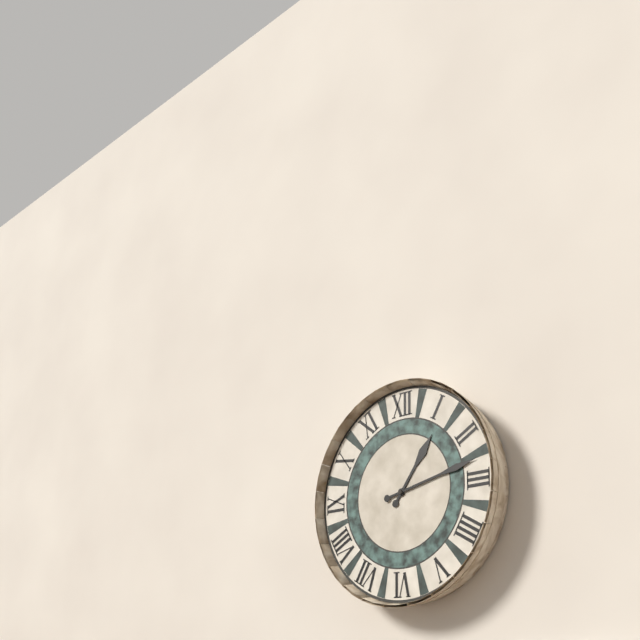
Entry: 1.13
